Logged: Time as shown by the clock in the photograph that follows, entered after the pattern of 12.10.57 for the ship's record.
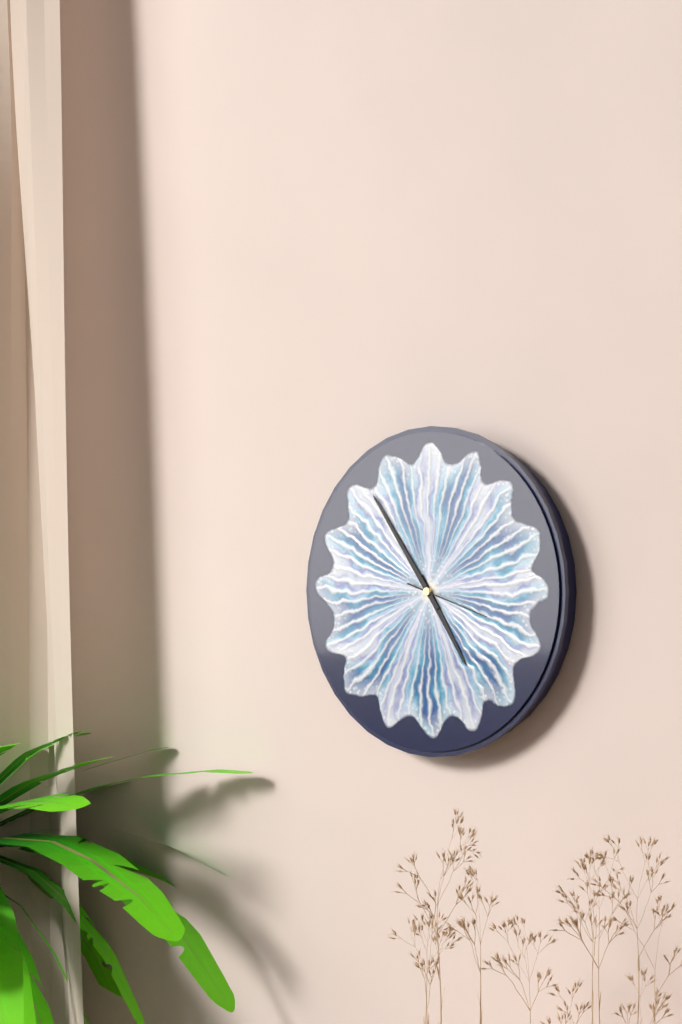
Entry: 4.54.18
